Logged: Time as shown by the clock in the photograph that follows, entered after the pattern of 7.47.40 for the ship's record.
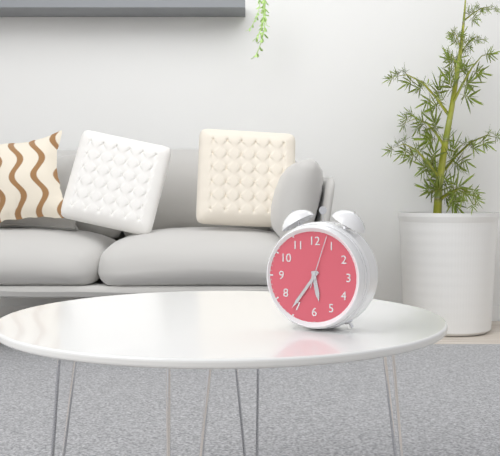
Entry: 5.36.03
